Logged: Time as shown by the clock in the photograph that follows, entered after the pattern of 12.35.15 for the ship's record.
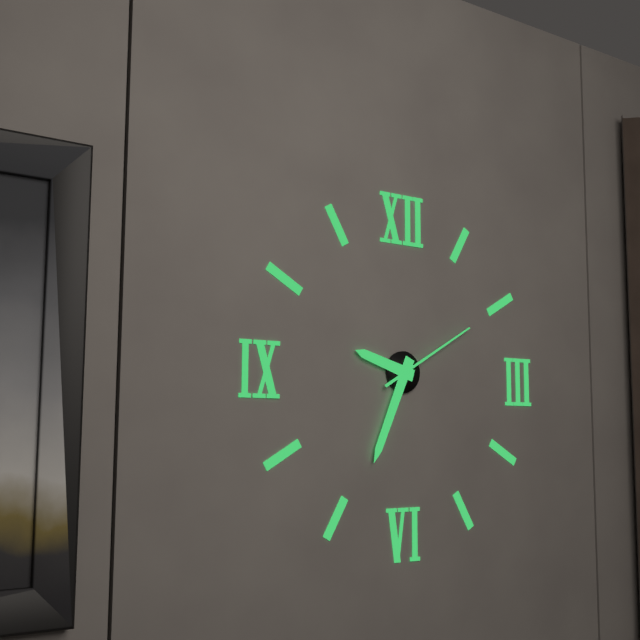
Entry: 9.34.10
